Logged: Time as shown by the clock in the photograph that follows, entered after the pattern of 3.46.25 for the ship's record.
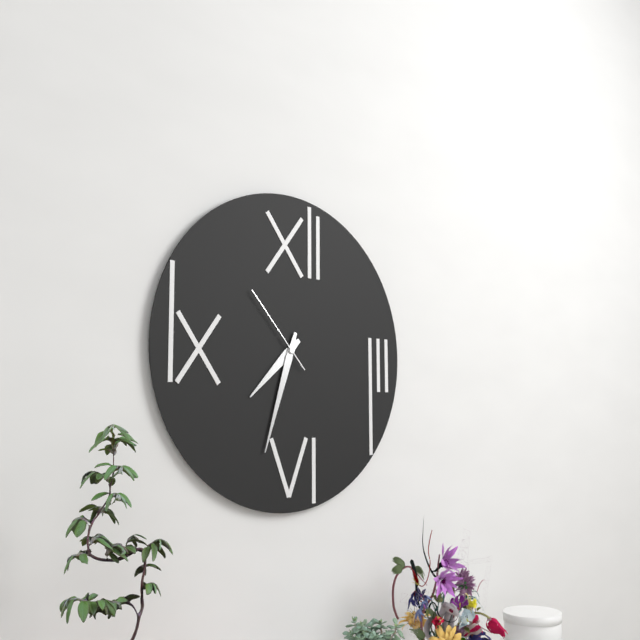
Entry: 7.33.53
